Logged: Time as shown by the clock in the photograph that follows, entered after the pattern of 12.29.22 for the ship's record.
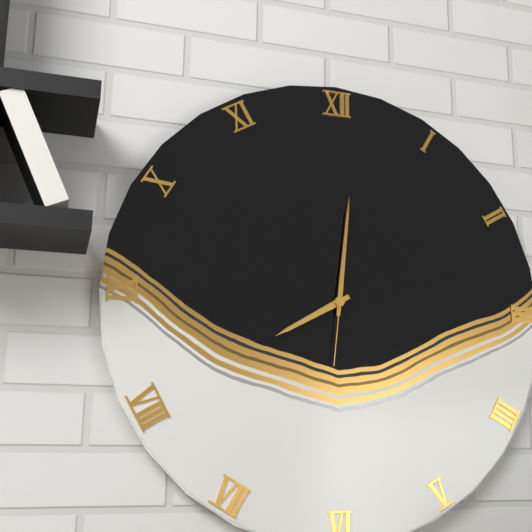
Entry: 8.01.31
